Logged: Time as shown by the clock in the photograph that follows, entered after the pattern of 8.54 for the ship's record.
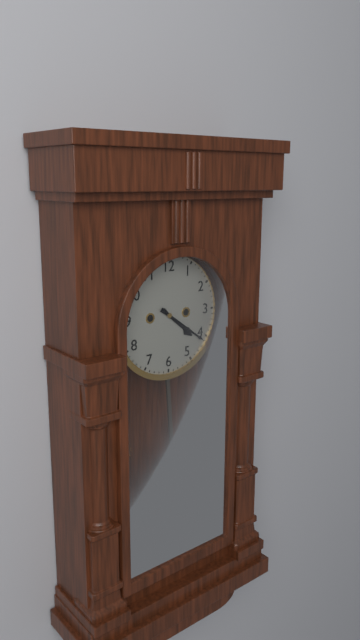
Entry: 4.21
